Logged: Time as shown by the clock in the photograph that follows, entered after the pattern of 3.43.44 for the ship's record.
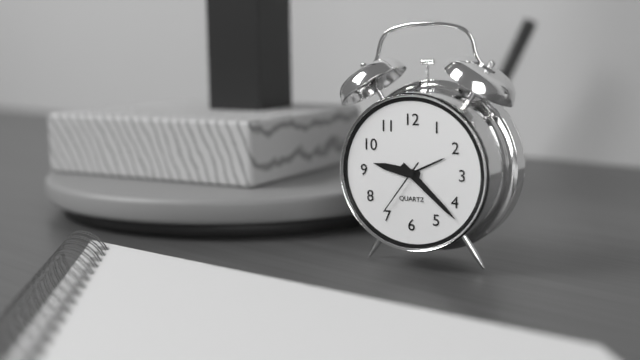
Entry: 9.22.36
